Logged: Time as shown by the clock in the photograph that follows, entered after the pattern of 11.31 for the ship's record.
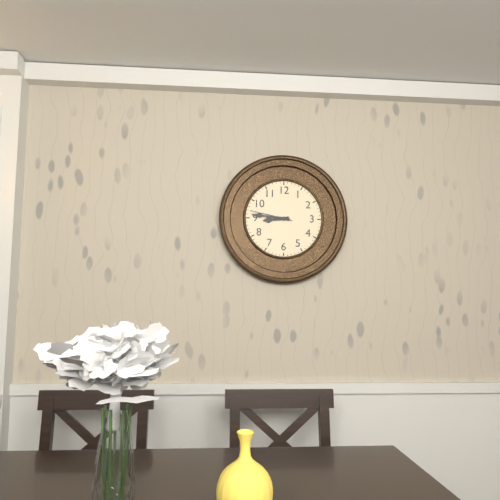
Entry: 8.46
